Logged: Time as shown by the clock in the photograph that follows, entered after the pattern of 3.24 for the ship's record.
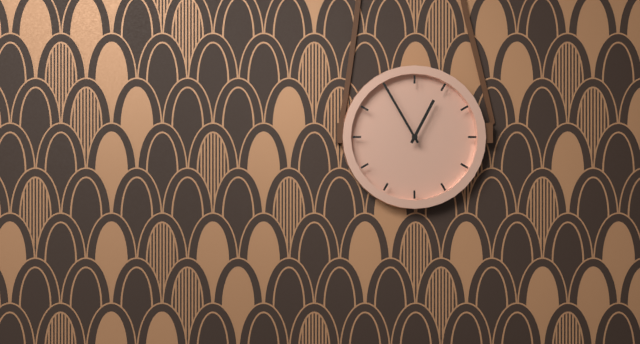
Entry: 12.55
